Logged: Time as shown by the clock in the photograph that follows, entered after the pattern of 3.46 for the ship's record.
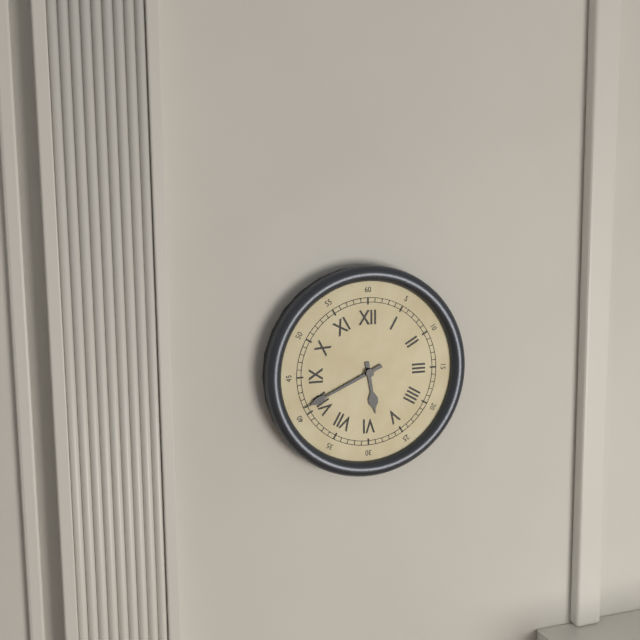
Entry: 5.41
